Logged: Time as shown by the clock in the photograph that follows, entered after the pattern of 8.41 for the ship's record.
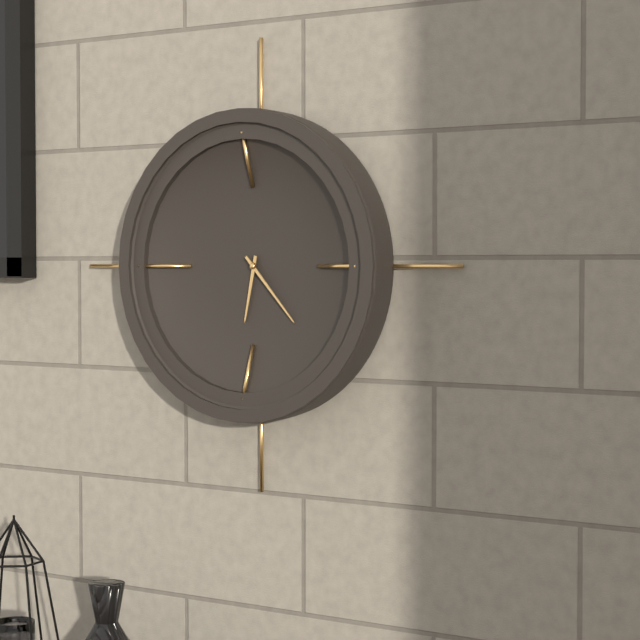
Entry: 6.23
